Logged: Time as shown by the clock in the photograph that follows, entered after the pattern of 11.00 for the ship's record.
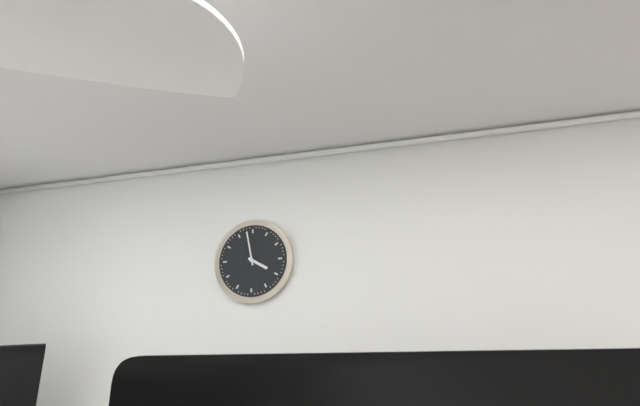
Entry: 3.58
